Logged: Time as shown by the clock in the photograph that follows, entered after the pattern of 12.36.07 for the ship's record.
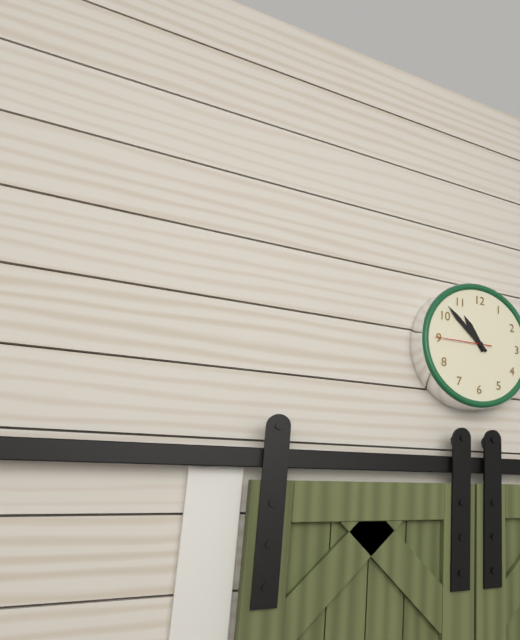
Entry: 10.52.45
